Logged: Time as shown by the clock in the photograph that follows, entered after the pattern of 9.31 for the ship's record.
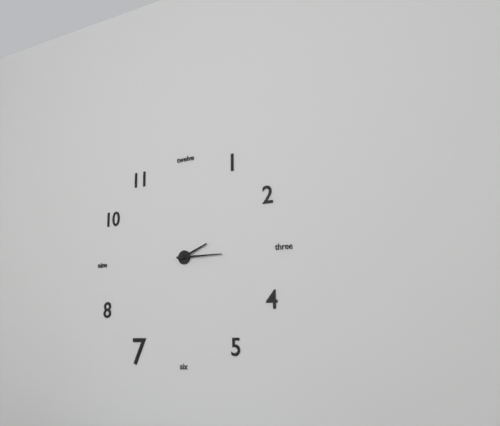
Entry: 2.15
